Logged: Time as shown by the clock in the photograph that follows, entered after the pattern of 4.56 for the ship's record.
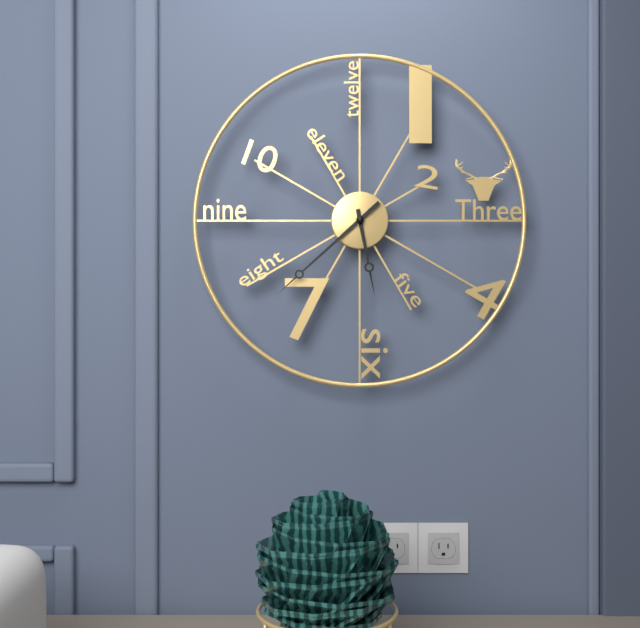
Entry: 5.38
